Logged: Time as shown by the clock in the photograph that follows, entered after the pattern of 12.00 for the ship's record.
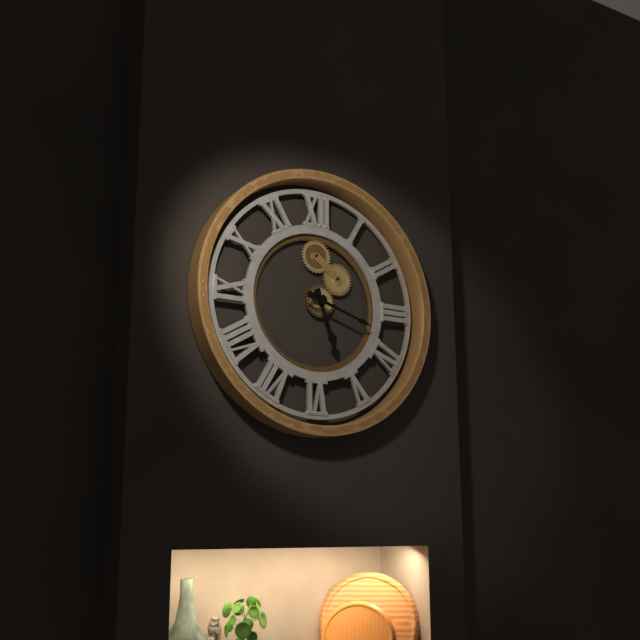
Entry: 5.18
